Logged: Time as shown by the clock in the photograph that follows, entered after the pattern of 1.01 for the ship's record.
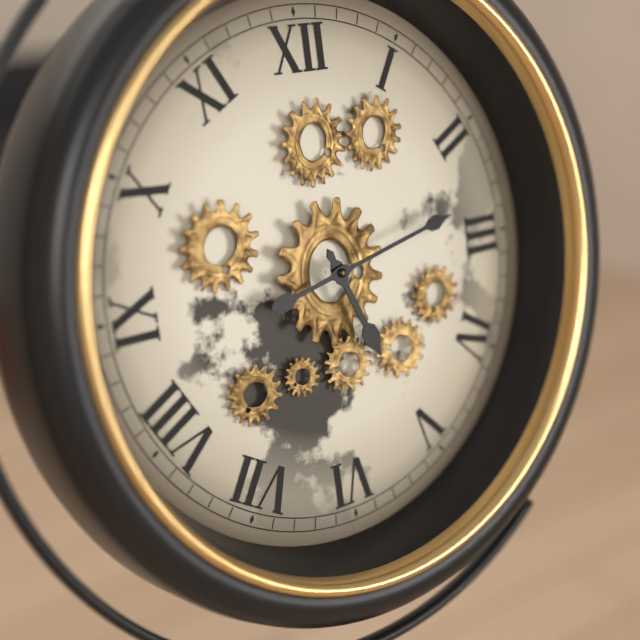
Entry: 5.13
